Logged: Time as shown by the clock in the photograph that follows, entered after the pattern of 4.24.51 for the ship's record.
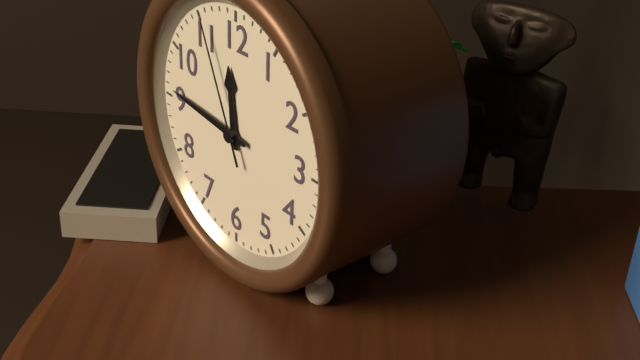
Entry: 11.46.56
